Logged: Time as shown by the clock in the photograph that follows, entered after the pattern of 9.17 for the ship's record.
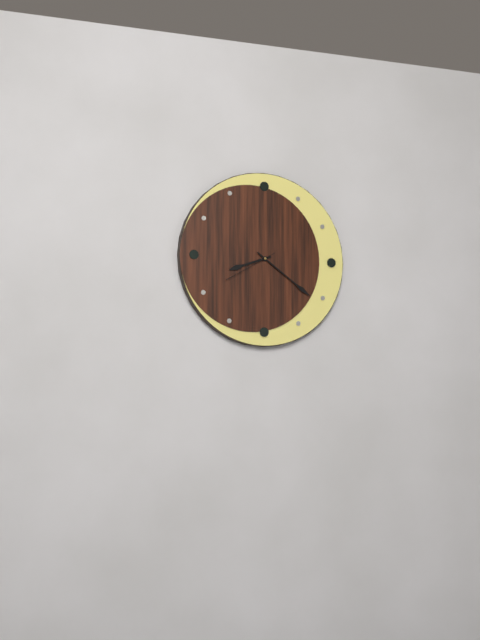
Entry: 8.21
